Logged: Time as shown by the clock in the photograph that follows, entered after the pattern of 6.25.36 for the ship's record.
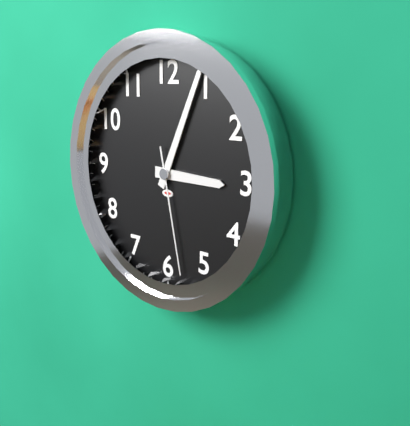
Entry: 3.04.28
